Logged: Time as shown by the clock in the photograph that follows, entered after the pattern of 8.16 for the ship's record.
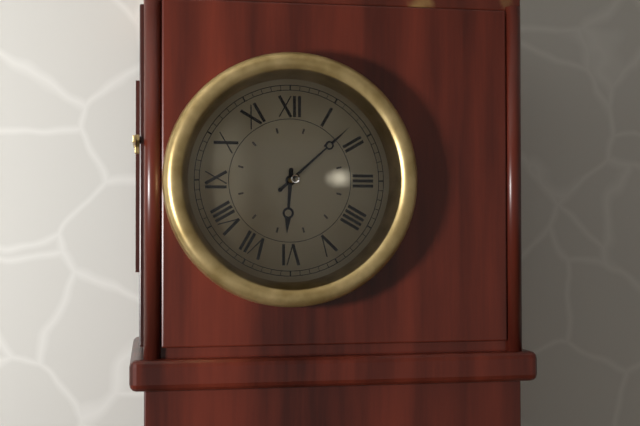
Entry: 6.08
